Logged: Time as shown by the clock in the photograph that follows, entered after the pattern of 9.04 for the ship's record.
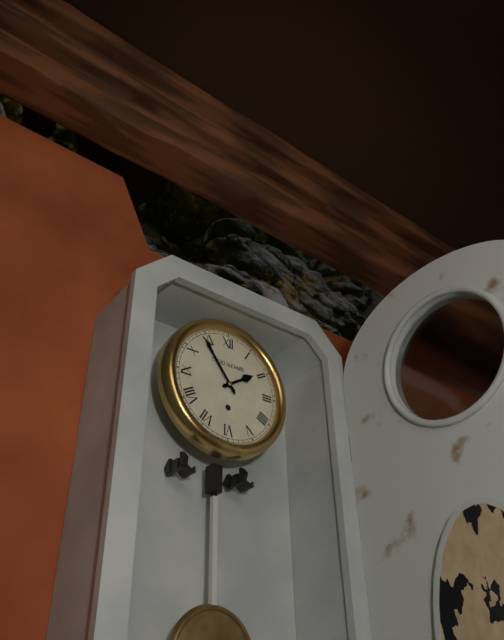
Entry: 1.54
